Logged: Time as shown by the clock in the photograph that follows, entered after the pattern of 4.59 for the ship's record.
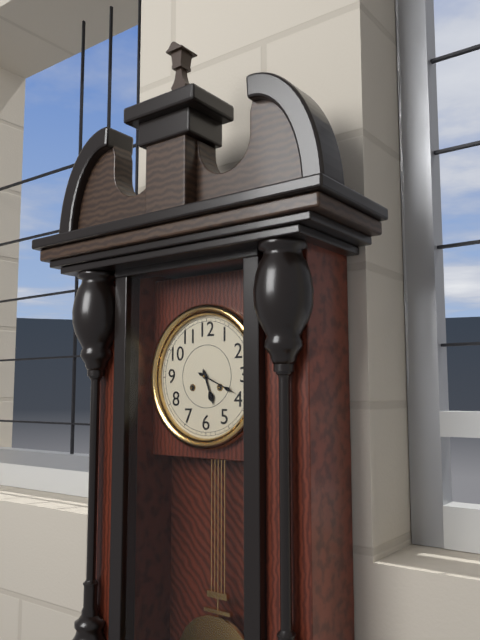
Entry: 5.19
